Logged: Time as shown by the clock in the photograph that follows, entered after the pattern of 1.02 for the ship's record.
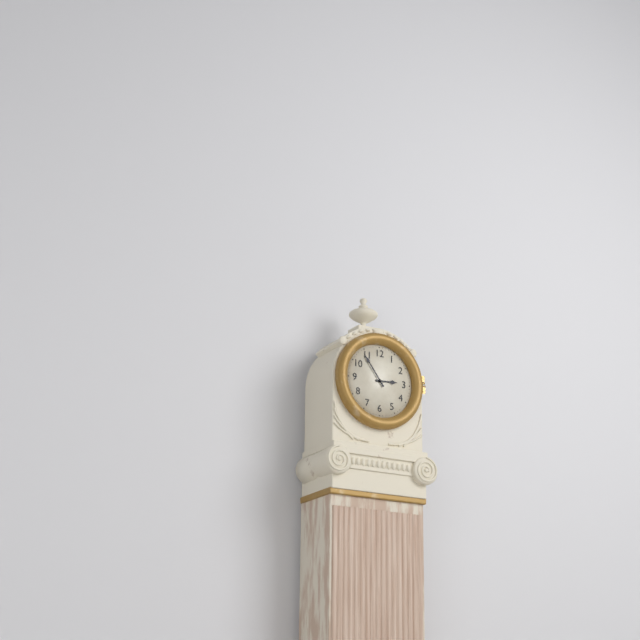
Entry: 2.54
